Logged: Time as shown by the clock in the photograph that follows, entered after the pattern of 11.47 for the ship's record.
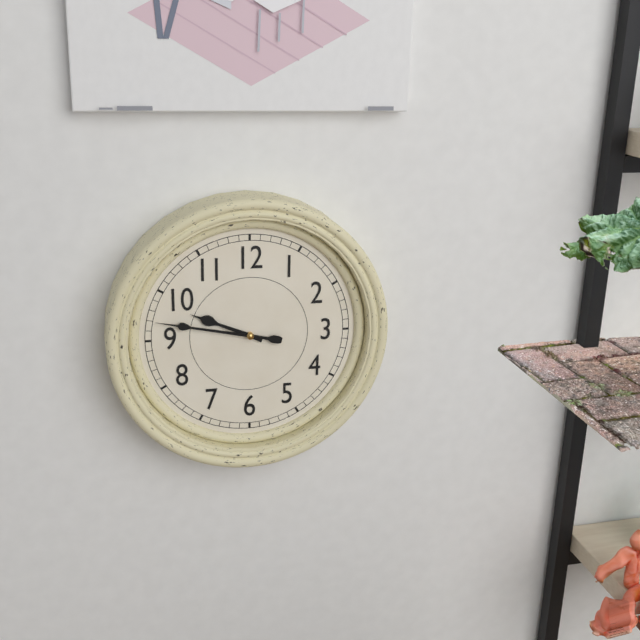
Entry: 9.47
